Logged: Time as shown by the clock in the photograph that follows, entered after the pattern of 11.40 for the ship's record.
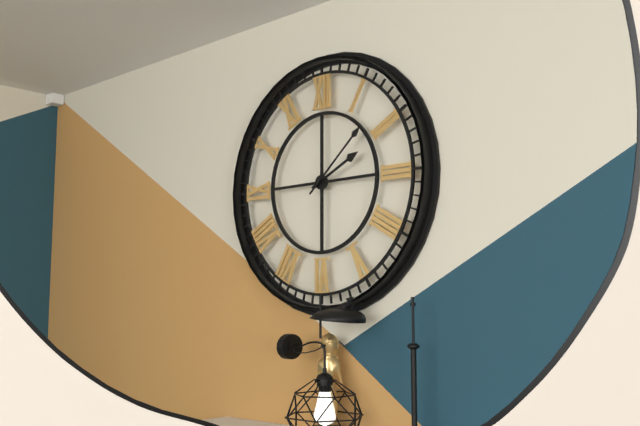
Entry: 2.08
